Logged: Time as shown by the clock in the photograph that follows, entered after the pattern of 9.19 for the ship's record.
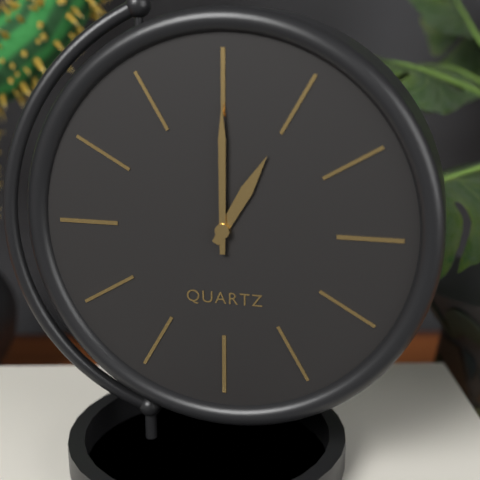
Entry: 1.00
